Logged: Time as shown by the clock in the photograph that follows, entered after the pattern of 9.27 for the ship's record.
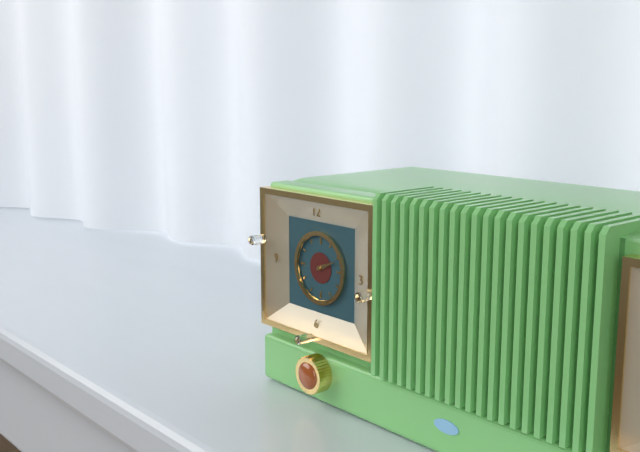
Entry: 2.11
